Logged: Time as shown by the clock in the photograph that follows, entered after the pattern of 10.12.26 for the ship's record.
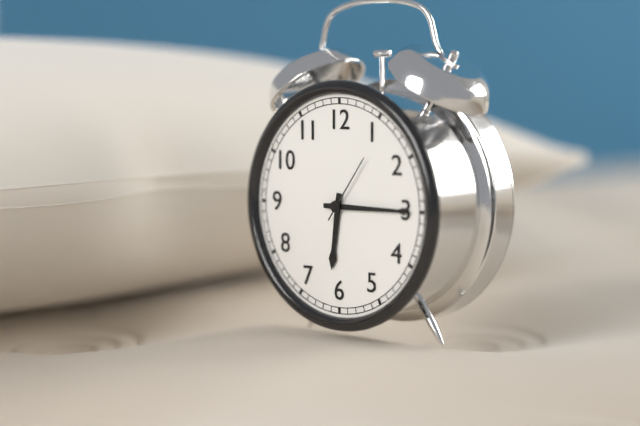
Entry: 6.15.06
